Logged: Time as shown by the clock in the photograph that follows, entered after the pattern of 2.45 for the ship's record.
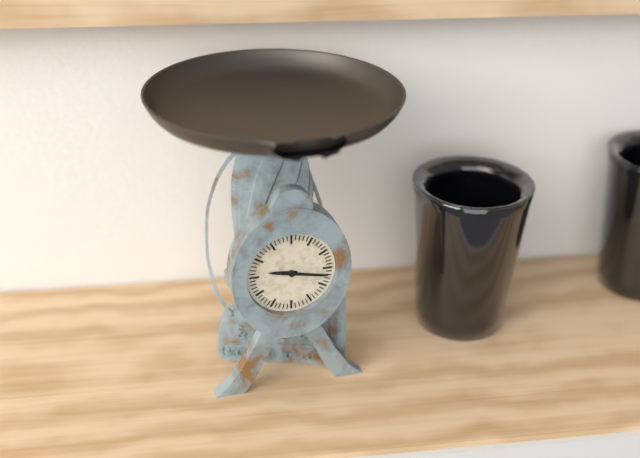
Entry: 9.17
